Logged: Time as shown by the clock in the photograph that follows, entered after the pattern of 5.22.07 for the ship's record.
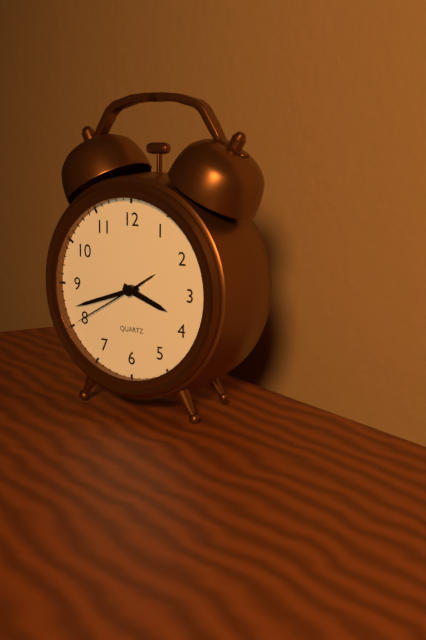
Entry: 3.42.40
